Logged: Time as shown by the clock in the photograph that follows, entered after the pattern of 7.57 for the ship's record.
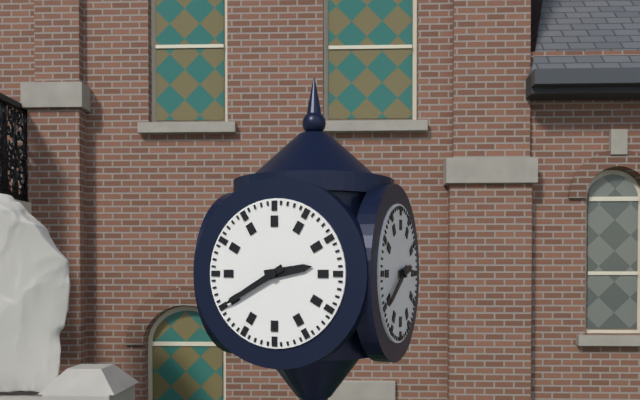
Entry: 2.40
